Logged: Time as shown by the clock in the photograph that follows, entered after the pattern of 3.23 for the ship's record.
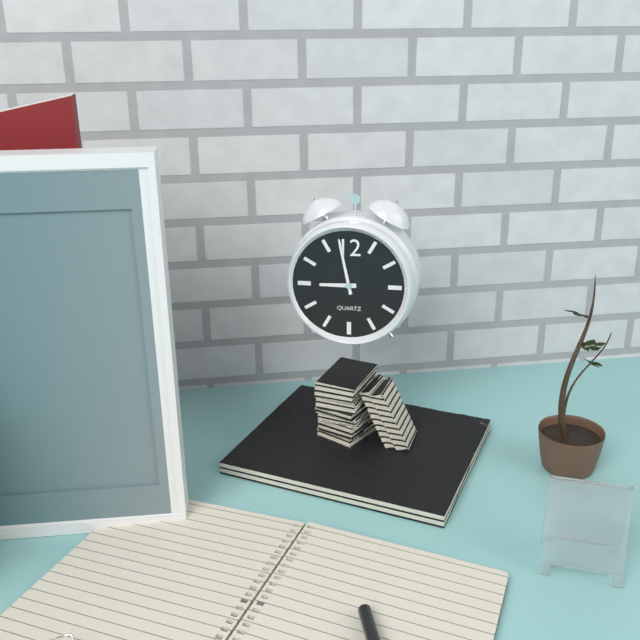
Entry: 8.58
